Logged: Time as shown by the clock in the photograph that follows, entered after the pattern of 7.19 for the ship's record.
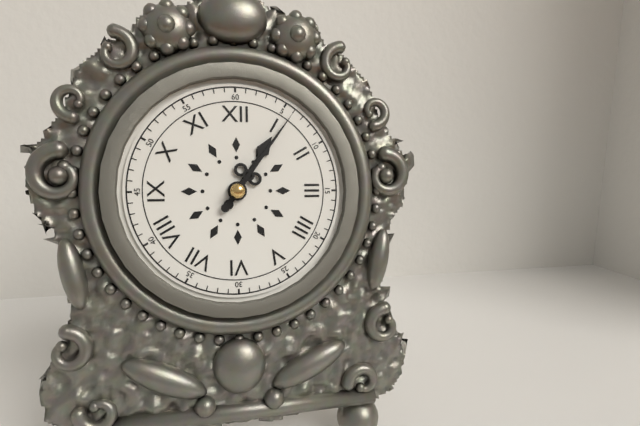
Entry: 1.06
